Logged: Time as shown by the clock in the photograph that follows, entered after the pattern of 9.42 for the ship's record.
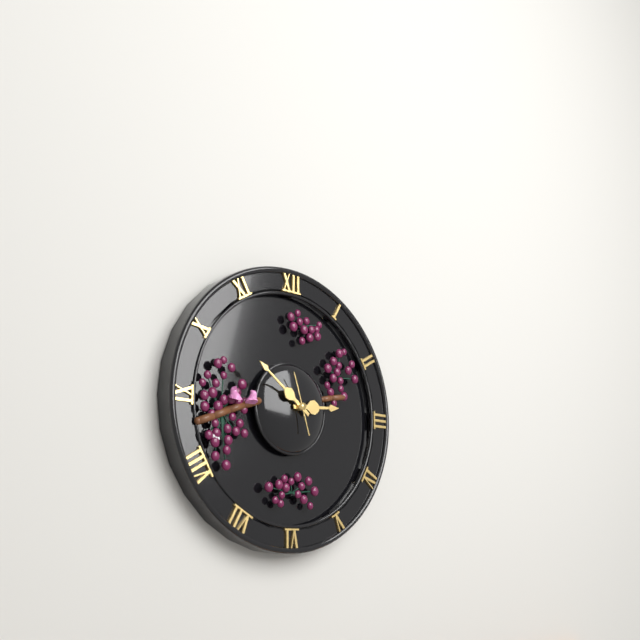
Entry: 2.51
